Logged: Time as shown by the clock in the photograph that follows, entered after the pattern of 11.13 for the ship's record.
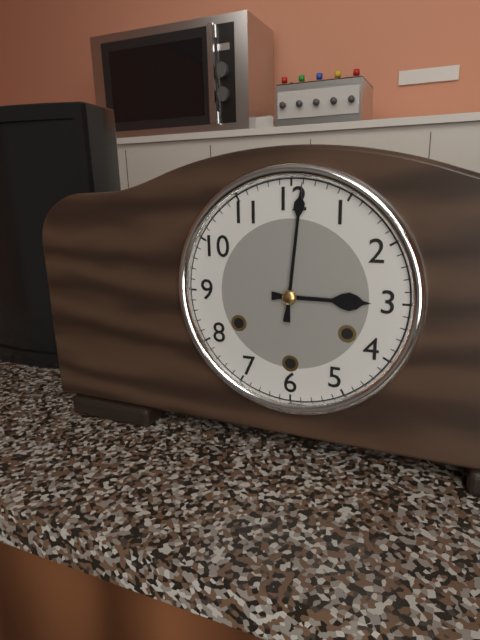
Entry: 3.01
